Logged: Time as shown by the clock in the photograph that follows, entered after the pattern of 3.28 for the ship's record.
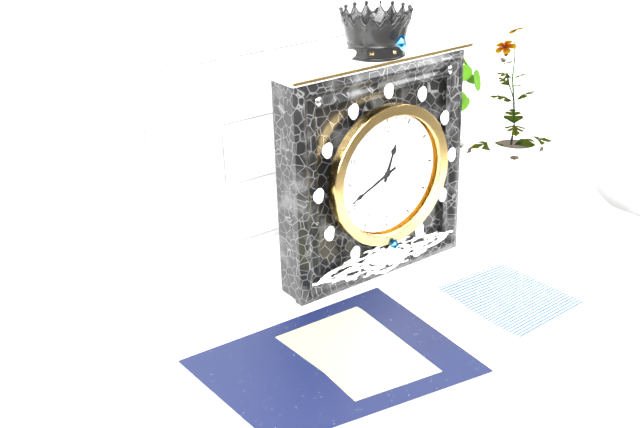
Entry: 12.41
